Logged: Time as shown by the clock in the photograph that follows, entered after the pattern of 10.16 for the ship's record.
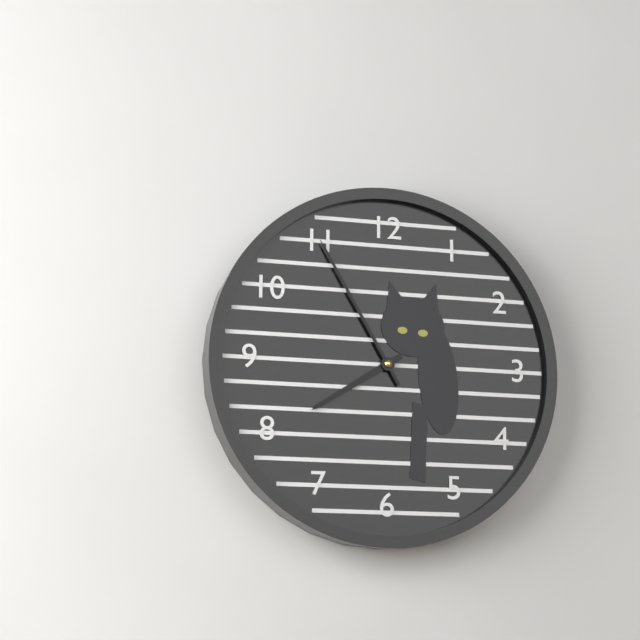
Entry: 7.55
